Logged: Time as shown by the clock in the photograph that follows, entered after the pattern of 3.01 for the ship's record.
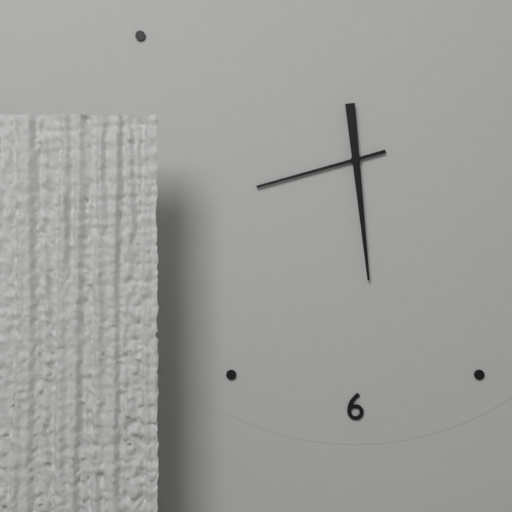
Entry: 8.29
